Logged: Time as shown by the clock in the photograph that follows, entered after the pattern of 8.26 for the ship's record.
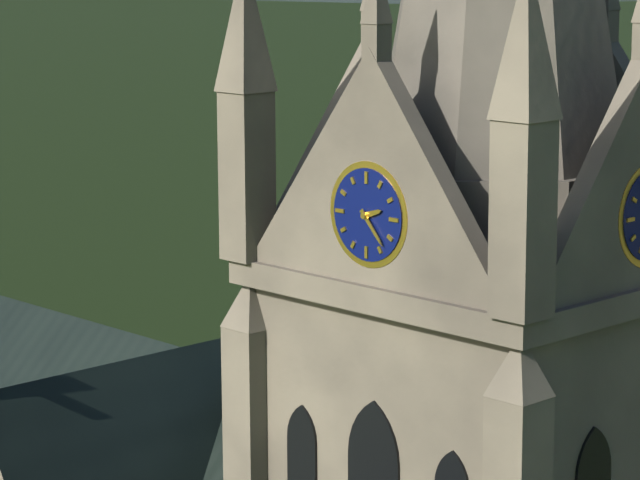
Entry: 2.23
